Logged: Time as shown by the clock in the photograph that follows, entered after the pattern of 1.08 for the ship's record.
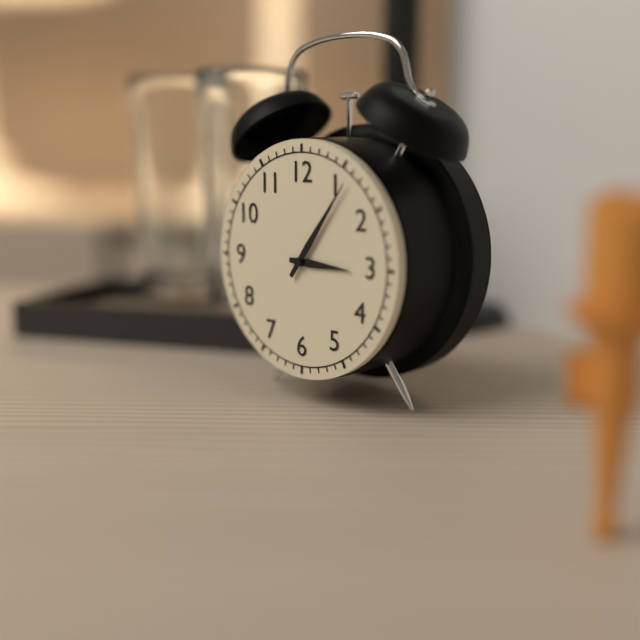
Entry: 3.06
